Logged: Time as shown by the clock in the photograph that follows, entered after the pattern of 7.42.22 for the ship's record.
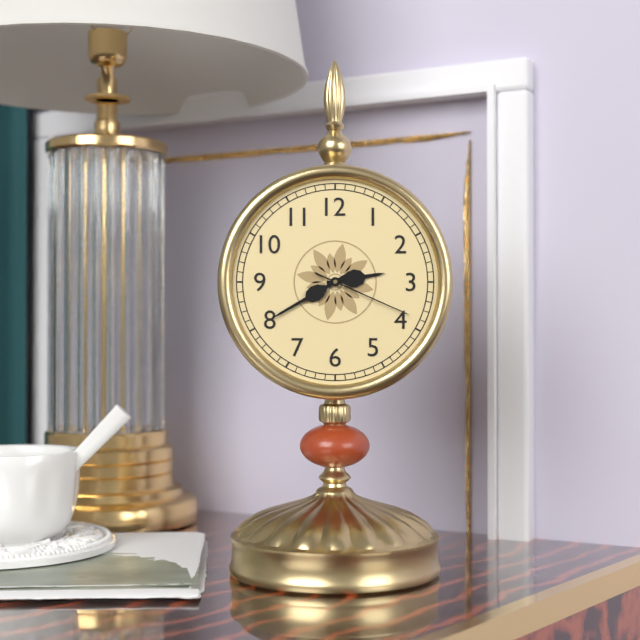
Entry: 2.40.19
